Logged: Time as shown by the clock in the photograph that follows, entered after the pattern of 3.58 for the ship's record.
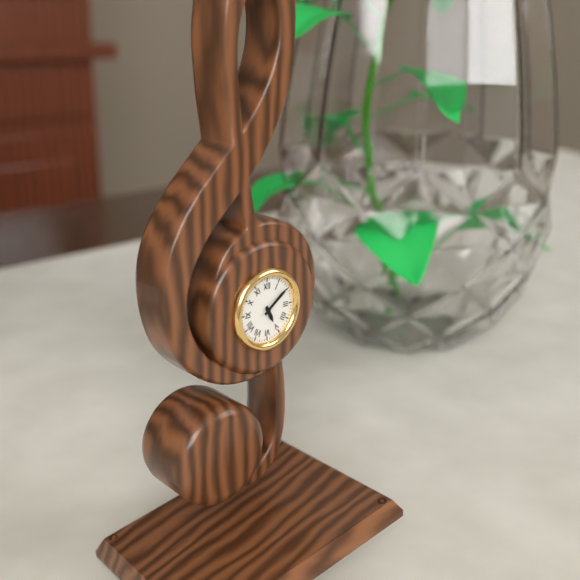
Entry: 5.09
